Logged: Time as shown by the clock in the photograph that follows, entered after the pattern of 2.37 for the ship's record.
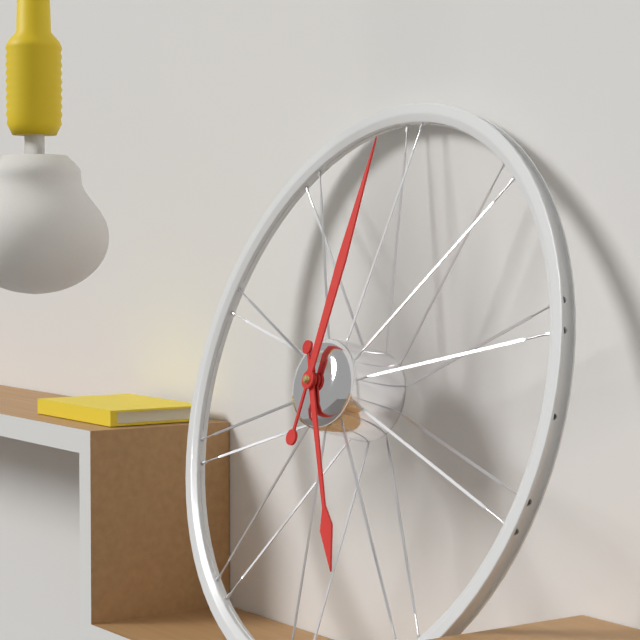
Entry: 5.01
